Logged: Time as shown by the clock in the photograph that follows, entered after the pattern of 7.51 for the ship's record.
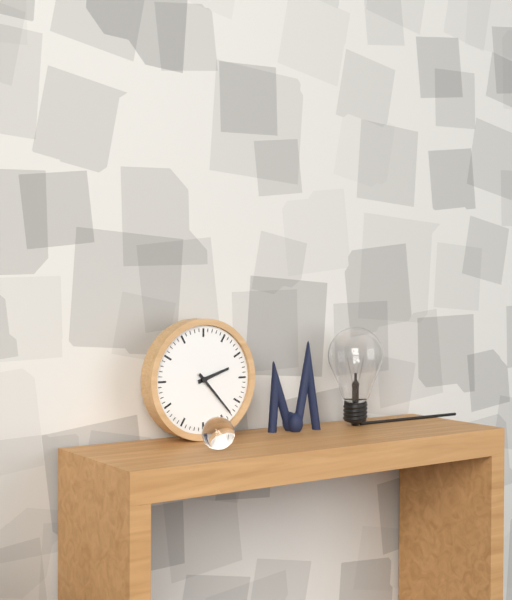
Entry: 2.23
